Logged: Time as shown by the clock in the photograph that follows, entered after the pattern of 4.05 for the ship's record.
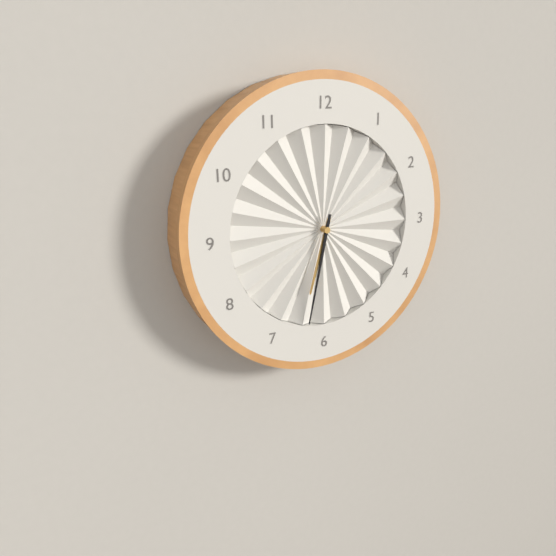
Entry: 6.32
